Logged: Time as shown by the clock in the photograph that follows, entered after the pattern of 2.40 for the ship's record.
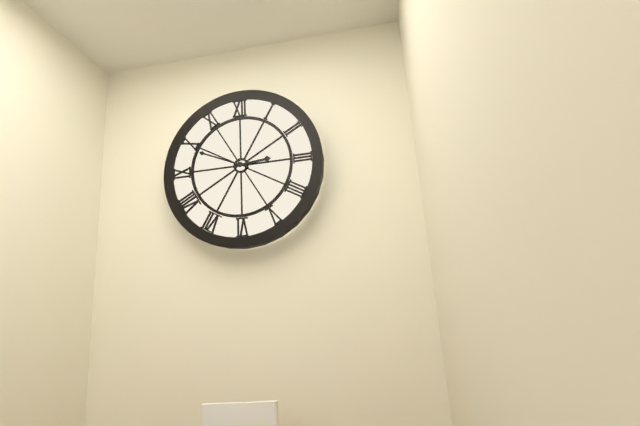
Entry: 2.49
